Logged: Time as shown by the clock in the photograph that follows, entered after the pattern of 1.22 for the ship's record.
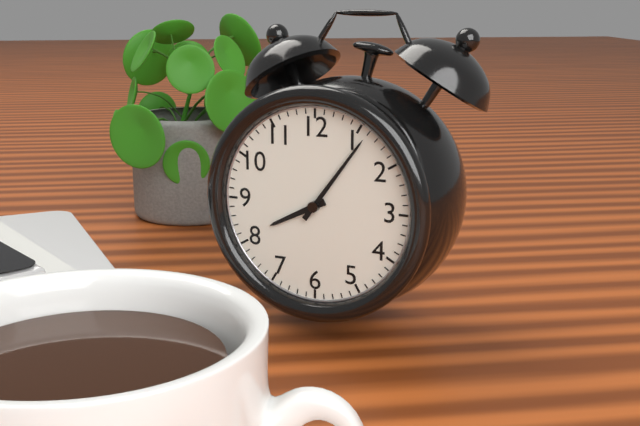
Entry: 8.06
